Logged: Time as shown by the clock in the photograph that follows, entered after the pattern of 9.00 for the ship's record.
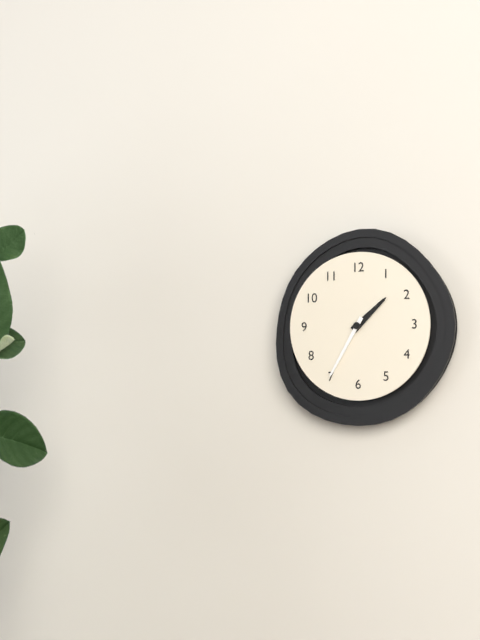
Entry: 1.35
